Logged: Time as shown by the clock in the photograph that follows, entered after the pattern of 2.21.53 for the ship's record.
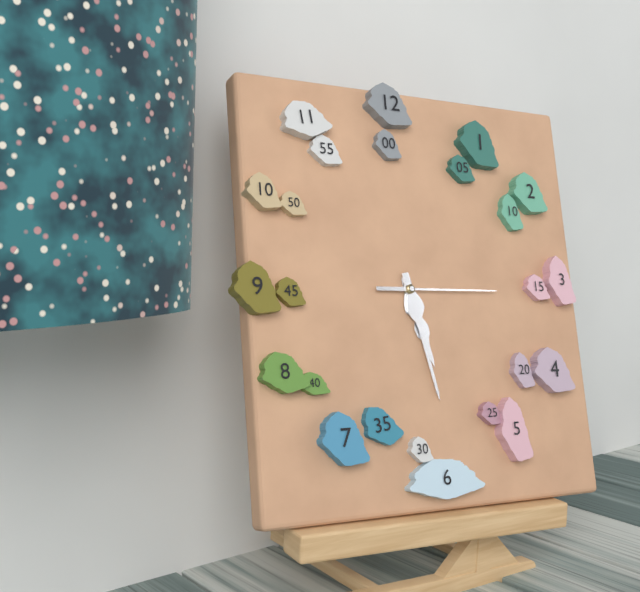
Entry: 5.28.15
